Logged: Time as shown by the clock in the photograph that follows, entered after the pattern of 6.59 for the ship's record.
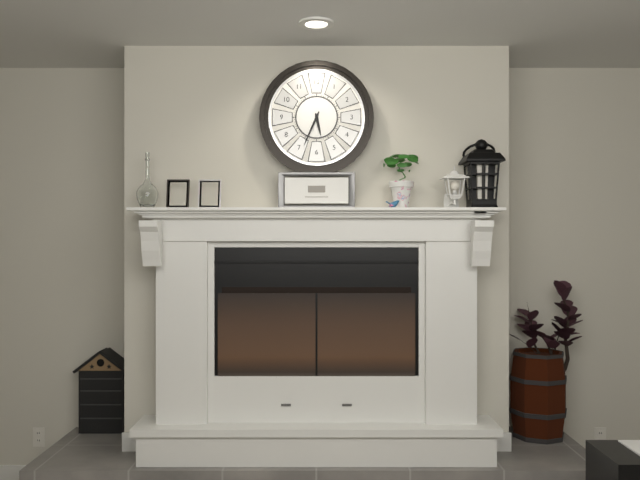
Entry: 5.34
